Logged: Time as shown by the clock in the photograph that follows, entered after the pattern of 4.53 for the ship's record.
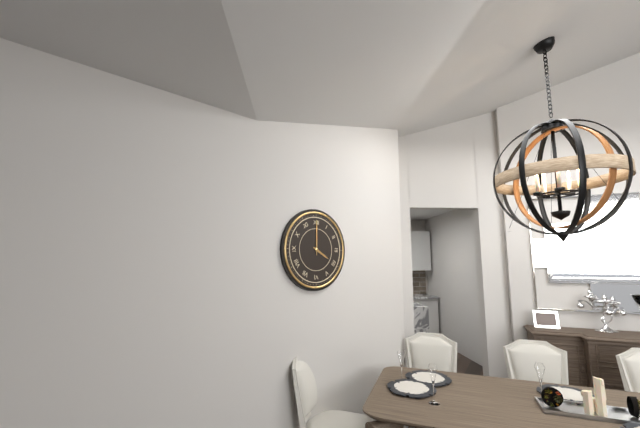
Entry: 4.00
